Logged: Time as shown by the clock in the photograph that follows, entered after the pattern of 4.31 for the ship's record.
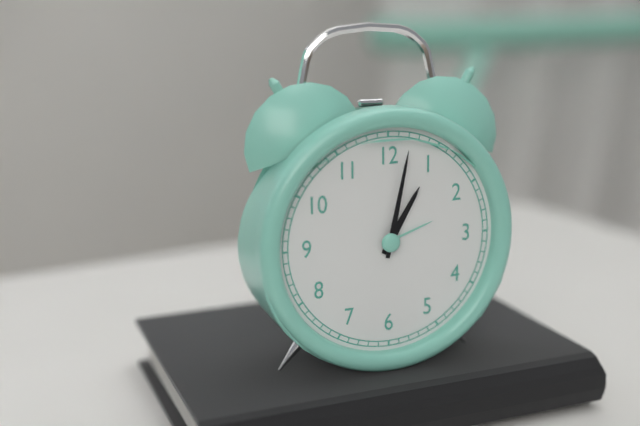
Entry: 1.02
